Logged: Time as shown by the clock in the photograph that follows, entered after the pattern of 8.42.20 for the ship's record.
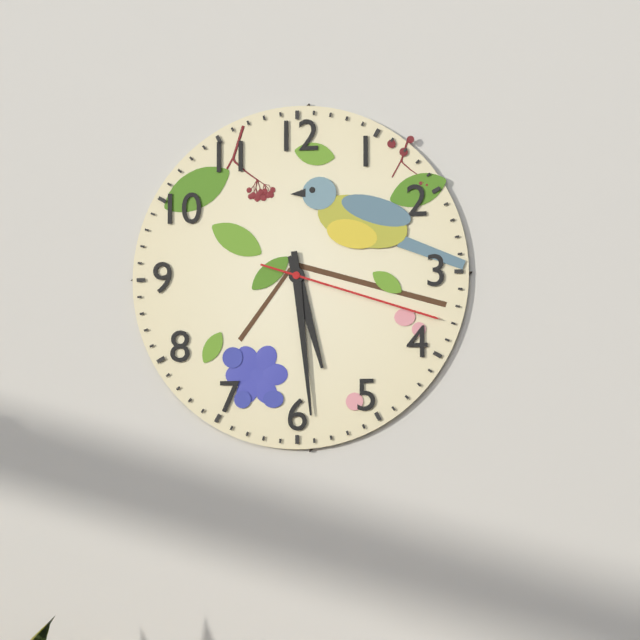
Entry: 5.29.18
